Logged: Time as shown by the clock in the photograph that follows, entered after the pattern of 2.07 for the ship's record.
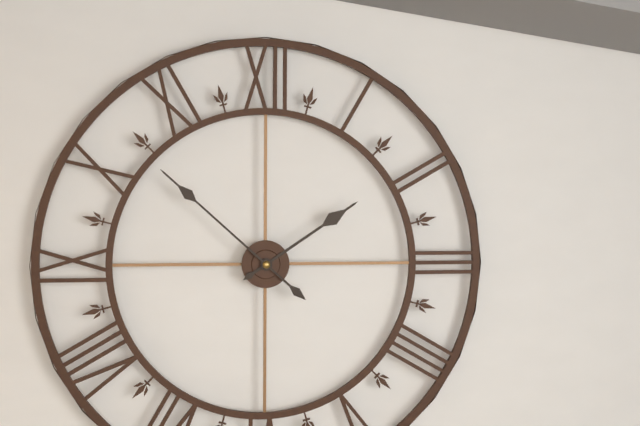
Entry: 1.52
